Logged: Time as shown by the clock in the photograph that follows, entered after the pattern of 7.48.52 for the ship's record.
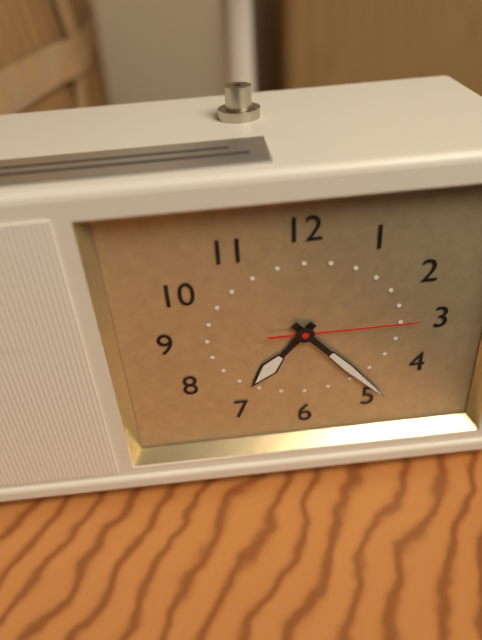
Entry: 7.23.15
